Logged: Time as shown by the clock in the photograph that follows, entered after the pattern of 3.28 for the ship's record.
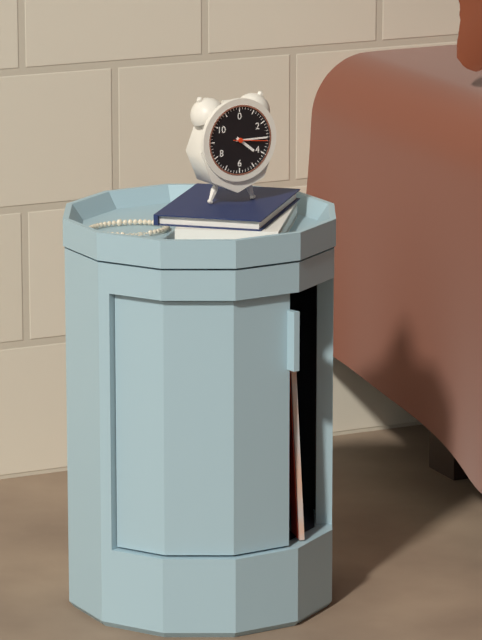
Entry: 4.15
